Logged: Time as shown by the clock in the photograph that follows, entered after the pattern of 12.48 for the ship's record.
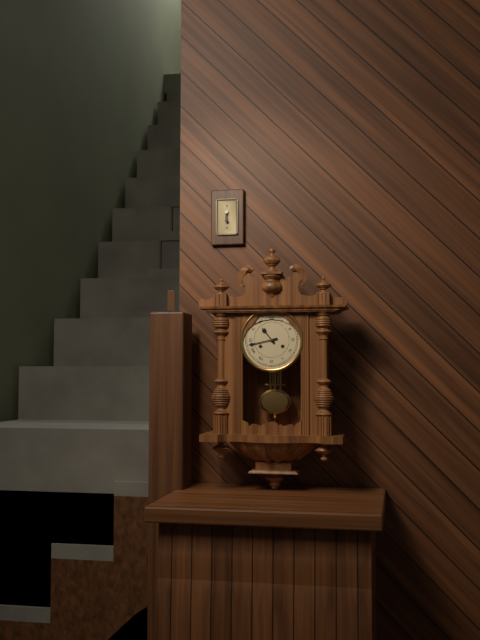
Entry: 10.43
